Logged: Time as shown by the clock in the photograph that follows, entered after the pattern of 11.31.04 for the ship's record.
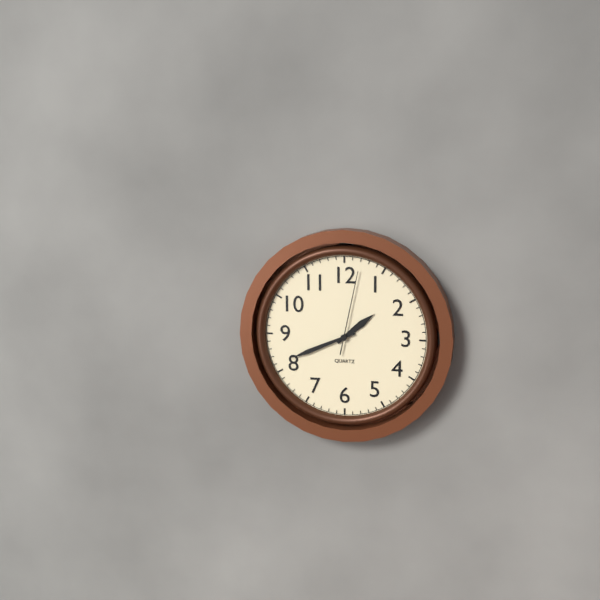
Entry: 1.41.02
